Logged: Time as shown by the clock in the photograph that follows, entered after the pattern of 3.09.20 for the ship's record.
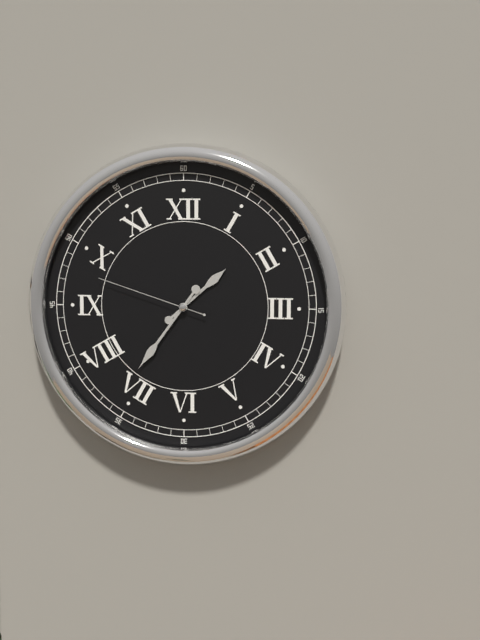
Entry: 1.36.48
